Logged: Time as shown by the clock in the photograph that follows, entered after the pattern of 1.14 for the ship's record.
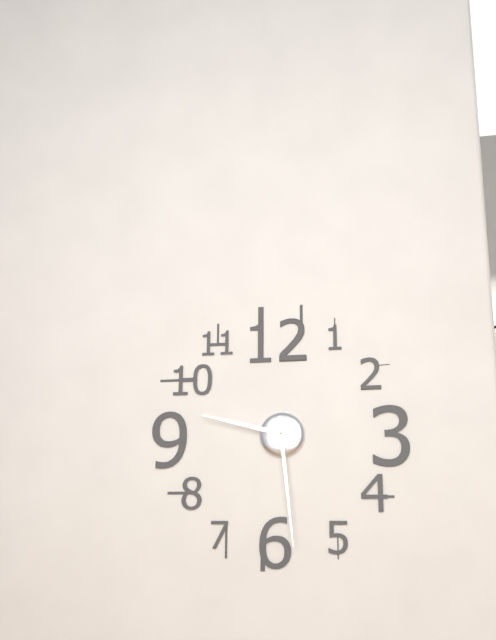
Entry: 9.29
